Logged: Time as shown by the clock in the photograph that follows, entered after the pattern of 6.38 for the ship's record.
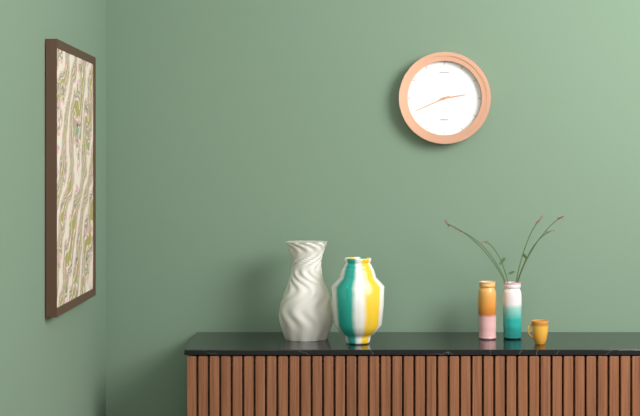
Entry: 2.41
